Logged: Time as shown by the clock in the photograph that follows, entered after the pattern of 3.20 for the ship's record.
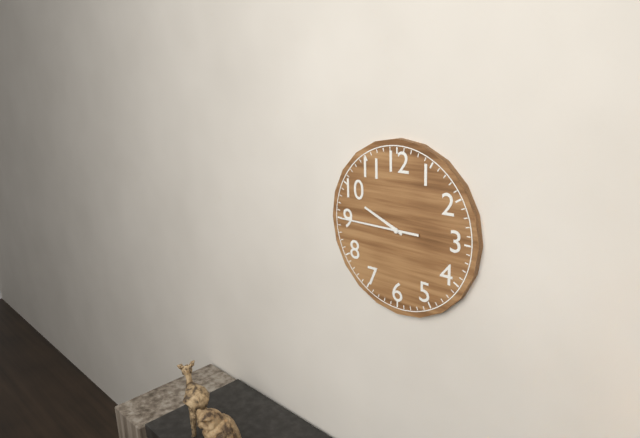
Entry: 9.45
